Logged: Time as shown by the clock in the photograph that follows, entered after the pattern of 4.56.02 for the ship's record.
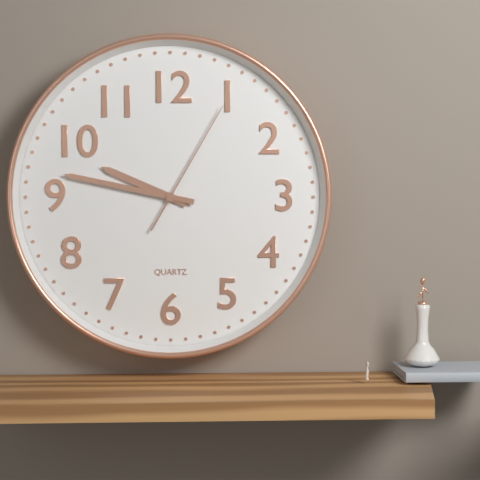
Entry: 9.47.05
